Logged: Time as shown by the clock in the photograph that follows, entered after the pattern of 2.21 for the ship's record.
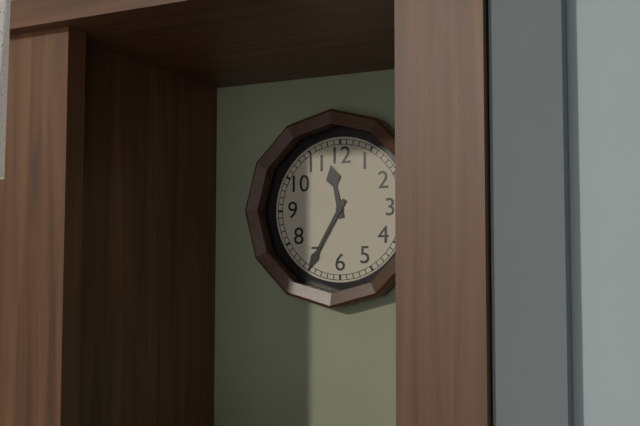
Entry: 11.35
